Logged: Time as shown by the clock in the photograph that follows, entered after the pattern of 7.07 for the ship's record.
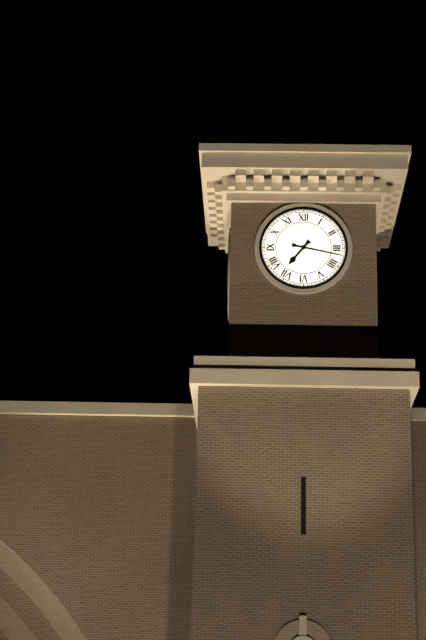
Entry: 7.17
